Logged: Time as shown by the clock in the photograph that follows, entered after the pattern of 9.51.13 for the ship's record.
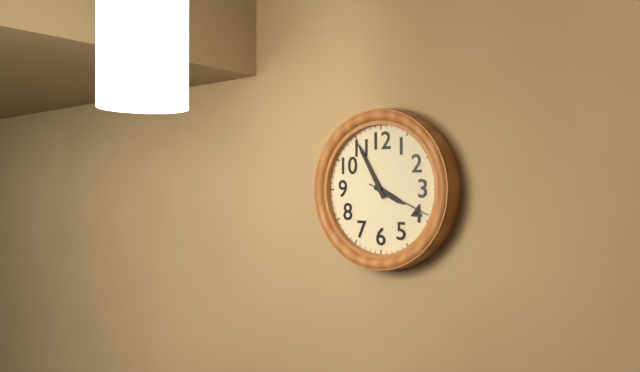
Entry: 3.55.19
